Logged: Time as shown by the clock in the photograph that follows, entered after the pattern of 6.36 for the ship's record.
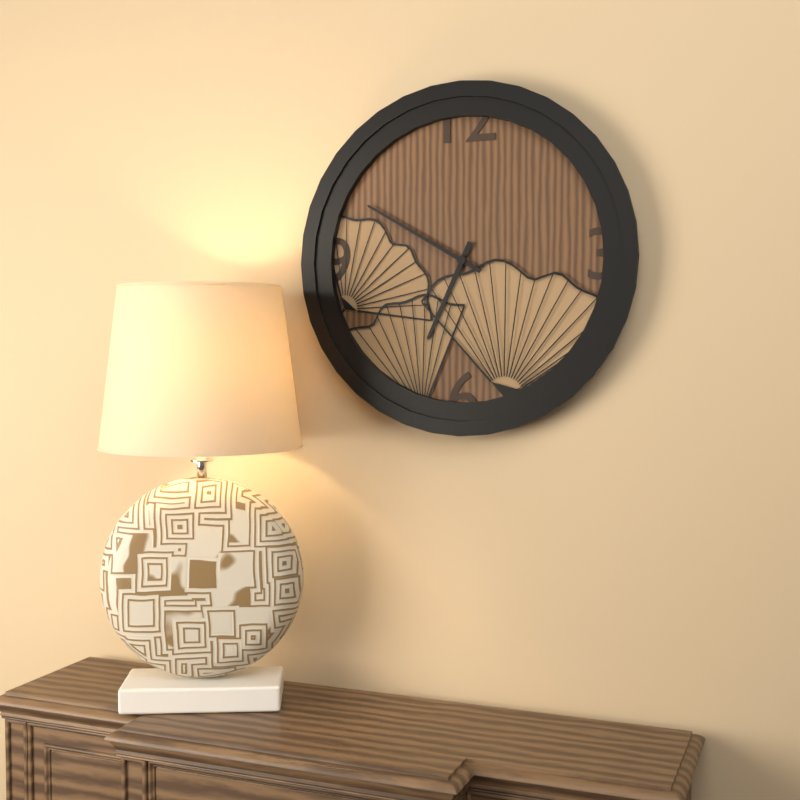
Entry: 6.50
